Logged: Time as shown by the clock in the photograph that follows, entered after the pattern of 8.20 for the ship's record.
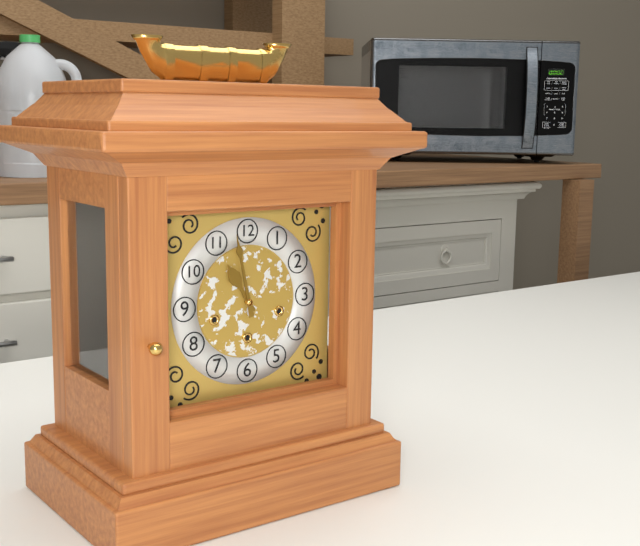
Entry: 10.58
